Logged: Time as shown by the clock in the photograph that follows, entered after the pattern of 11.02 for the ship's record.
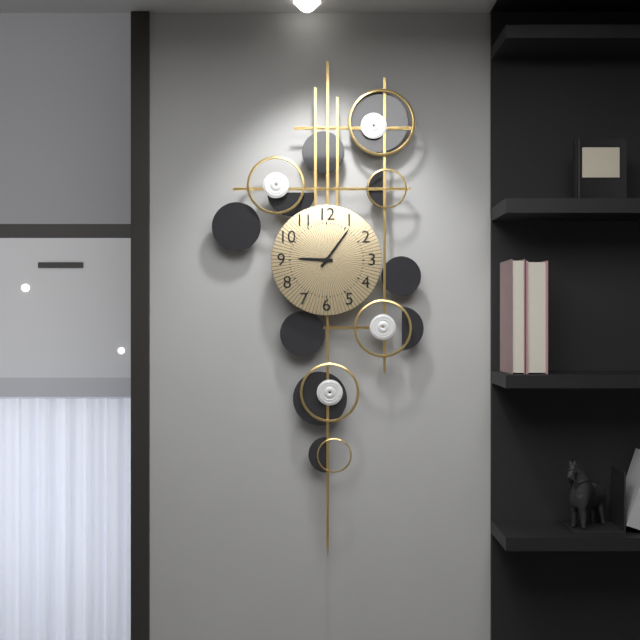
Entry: 9.06
